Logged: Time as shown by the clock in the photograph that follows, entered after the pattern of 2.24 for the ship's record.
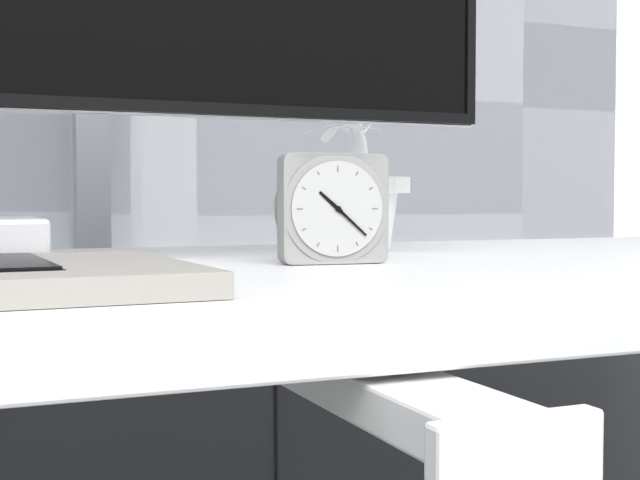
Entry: 10.22
